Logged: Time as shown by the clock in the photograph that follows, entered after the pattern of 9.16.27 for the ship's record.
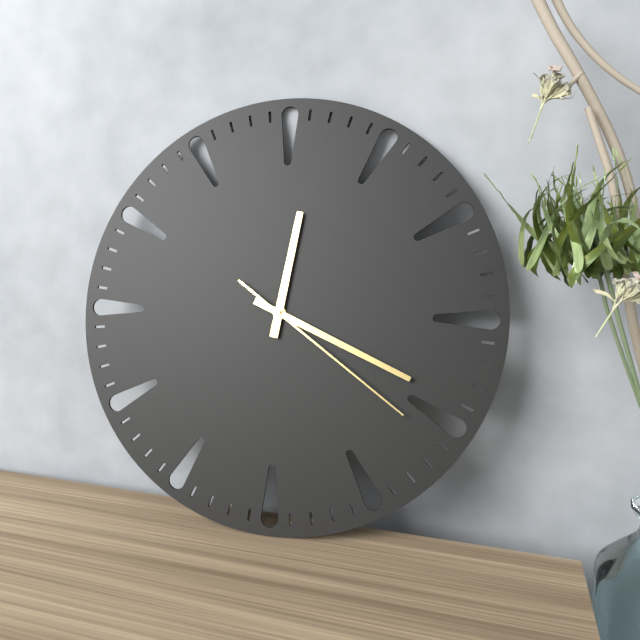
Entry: 12.19.21
